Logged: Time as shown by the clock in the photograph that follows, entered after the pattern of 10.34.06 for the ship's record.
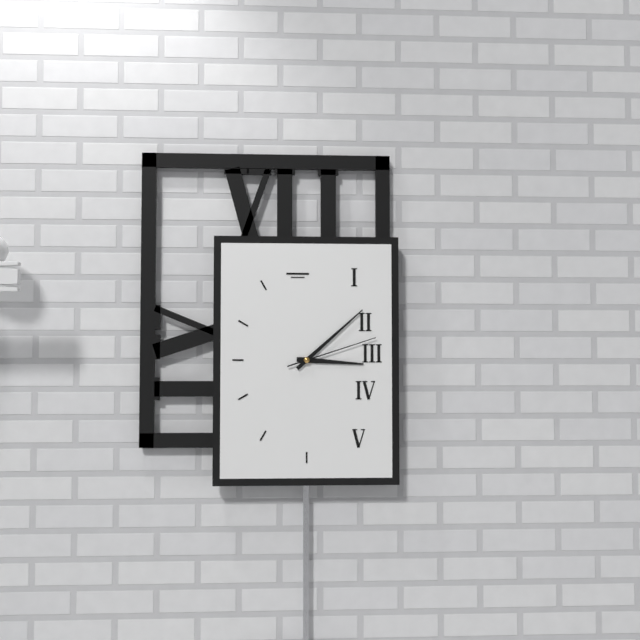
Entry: 3.08.12
